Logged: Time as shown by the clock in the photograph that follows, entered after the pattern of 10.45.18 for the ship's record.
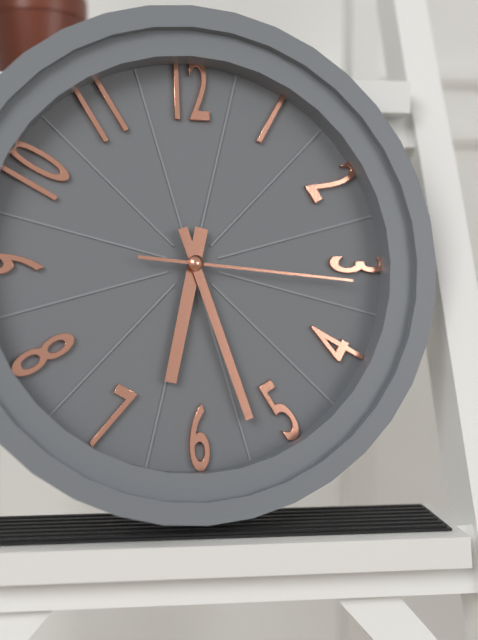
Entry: 6.27.16
